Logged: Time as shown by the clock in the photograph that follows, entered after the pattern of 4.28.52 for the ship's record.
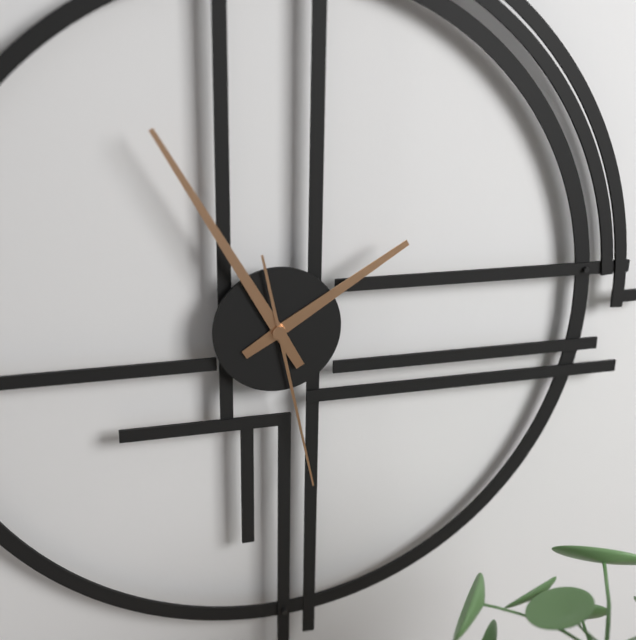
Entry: 1.55.28
